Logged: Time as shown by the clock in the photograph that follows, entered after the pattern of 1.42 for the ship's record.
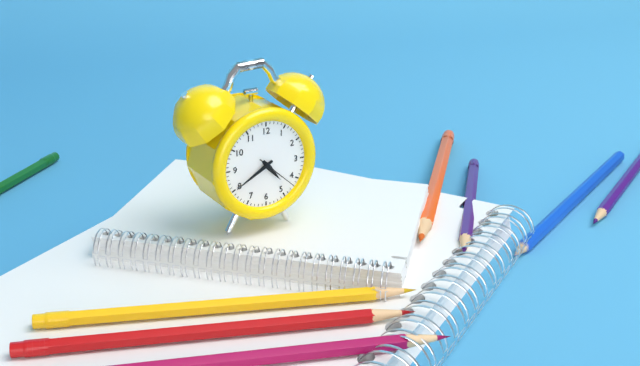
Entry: 4.40
